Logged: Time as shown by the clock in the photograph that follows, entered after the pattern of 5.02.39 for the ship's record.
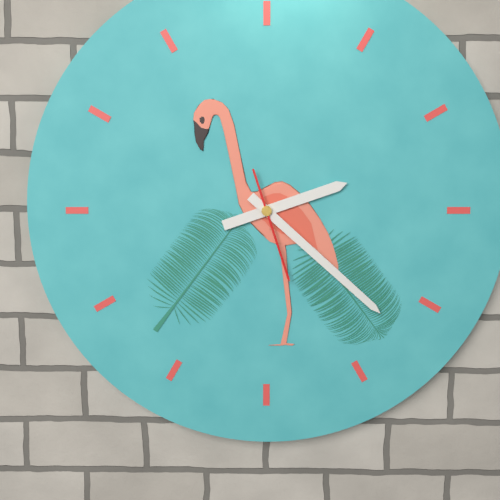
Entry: 2.22.27
